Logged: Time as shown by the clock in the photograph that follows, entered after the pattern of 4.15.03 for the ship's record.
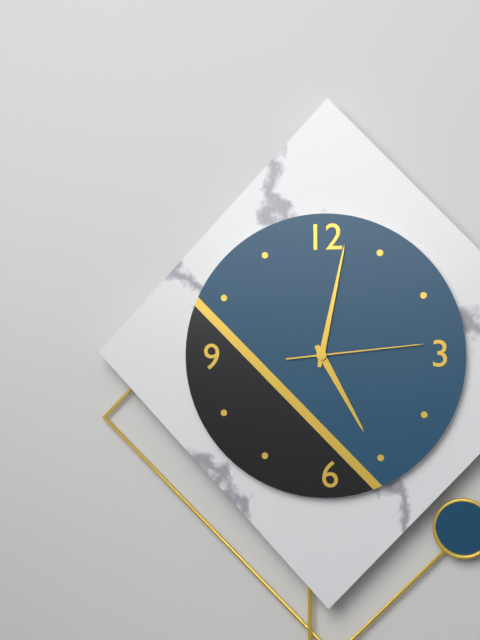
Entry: 5.02.14
